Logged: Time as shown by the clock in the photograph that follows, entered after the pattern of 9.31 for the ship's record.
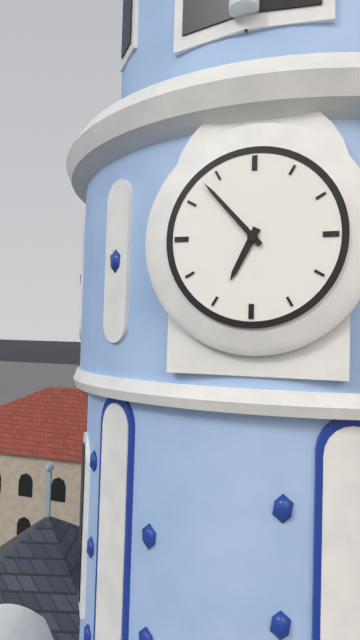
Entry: 6.53
